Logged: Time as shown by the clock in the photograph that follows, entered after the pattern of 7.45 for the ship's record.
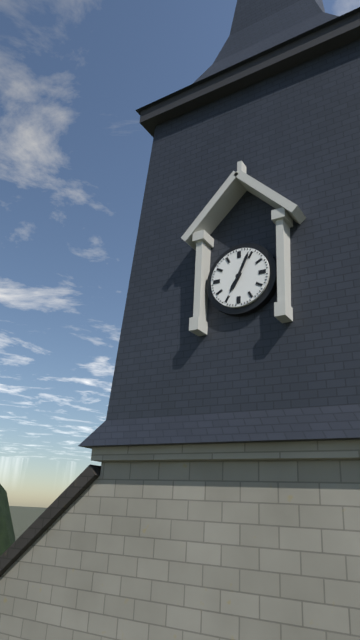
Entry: 7.04
